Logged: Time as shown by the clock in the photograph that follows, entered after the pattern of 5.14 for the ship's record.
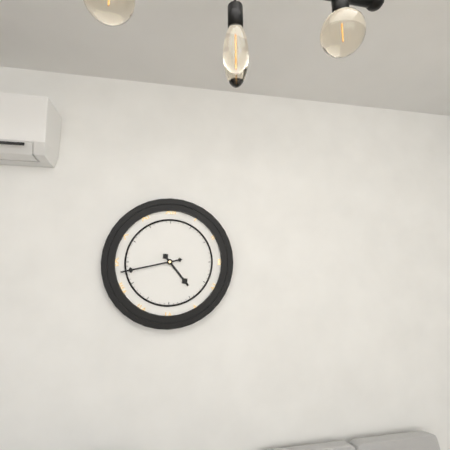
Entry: 4.43
